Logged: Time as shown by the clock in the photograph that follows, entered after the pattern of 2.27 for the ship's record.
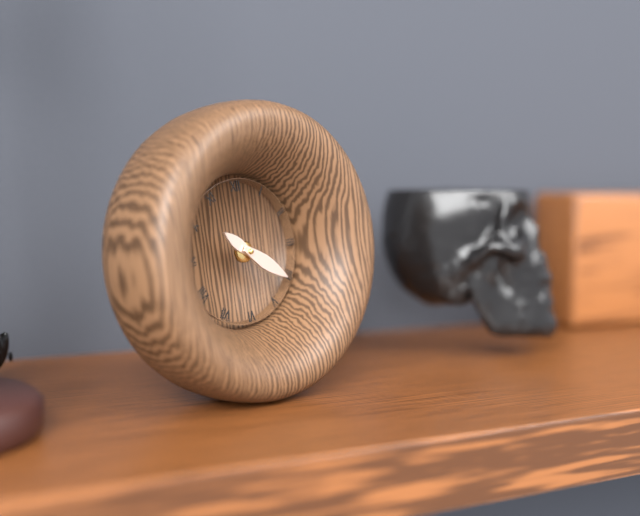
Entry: 10.21
